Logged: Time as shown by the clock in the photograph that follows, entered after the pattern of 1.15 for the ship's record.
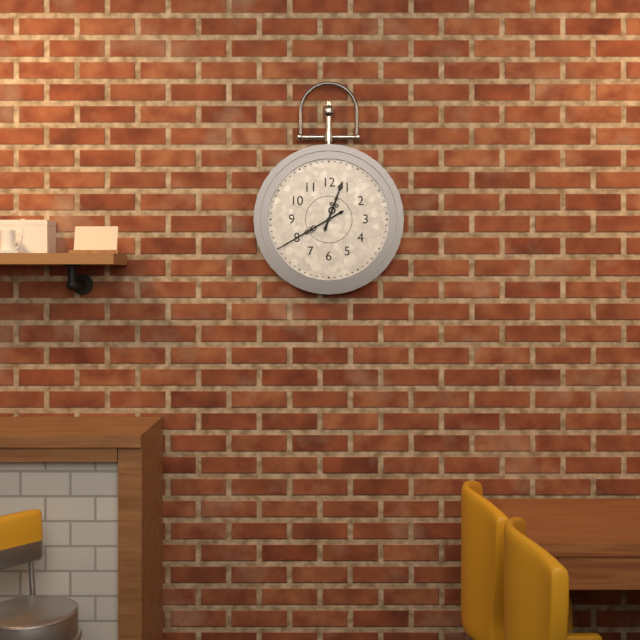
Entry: 12.40
